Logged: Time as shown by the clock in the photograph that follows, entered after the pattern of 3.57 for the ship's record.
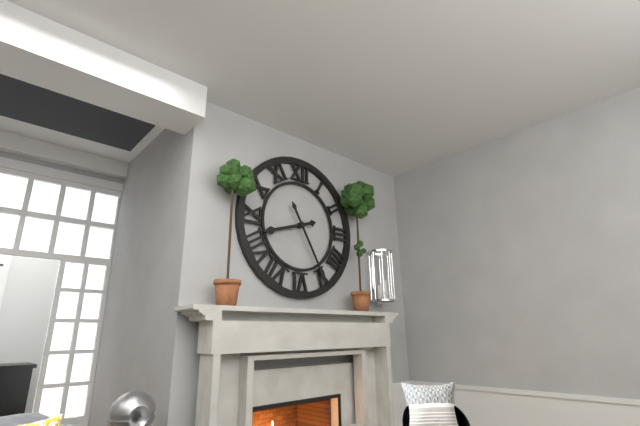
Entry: 8.25
